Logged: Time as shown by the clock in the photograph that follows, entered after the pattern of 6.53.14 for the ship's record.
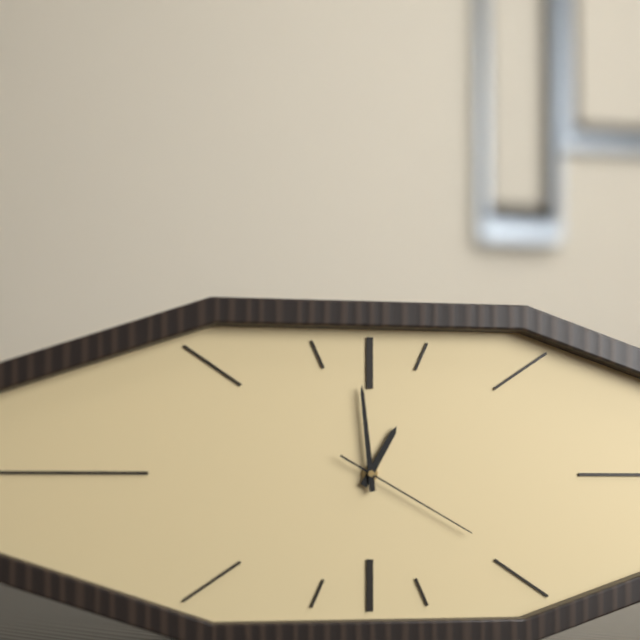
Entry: 12.59.20
